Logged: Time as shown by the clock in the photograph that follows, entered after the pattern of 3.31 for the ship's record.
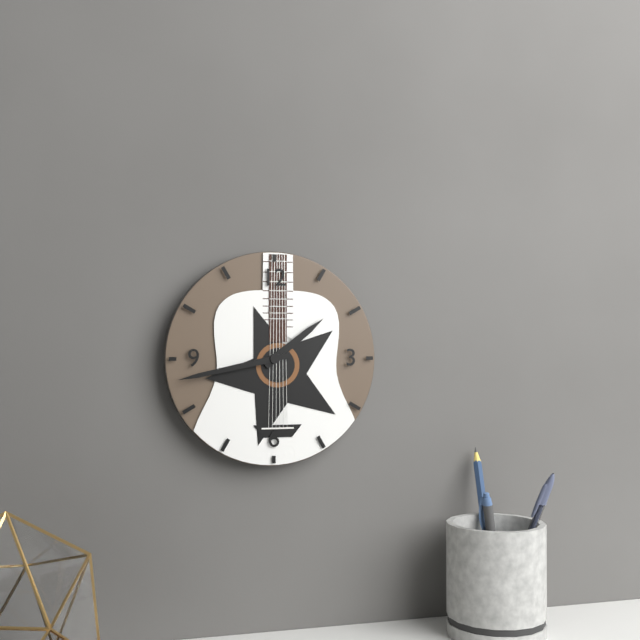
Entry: 1.43
